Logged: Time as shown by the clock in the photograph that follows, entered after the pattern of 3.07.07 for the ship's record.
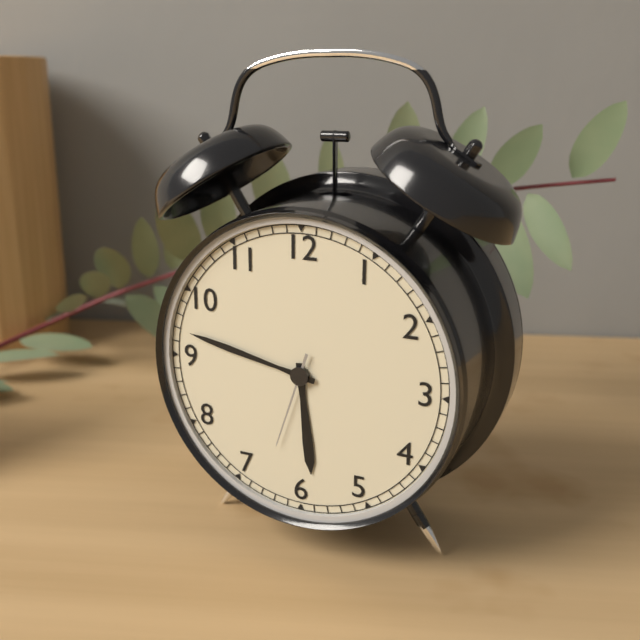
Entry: 5.47.33
